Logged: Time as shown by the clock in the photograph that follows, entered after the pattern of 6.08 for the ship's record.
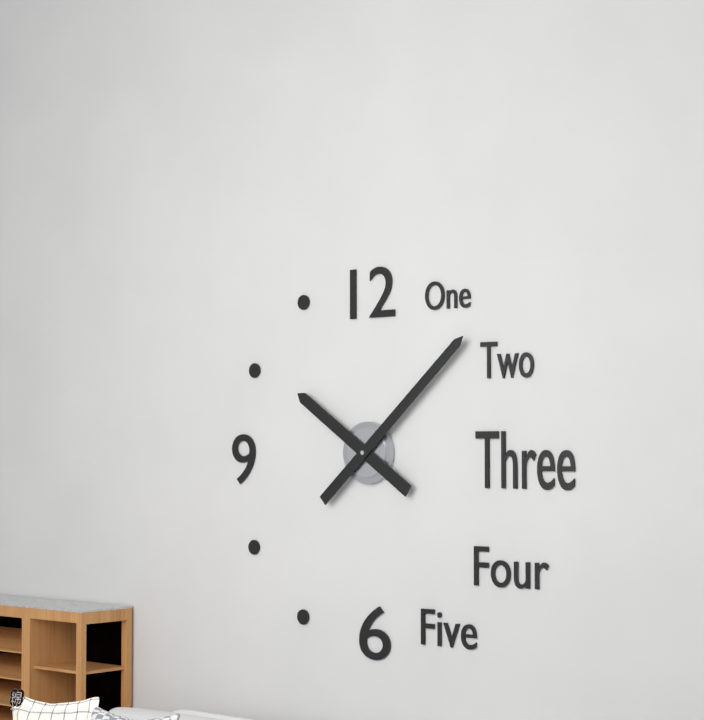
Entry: 10.08
